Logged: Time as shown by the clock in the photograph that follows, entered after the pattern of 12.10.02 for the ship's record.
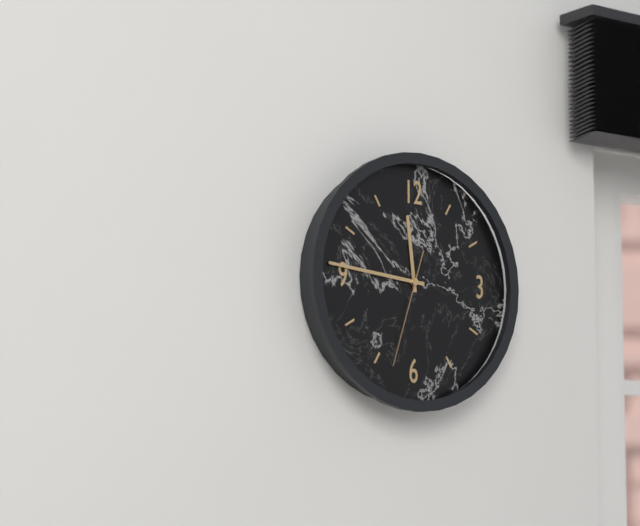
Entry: 11.46.33
